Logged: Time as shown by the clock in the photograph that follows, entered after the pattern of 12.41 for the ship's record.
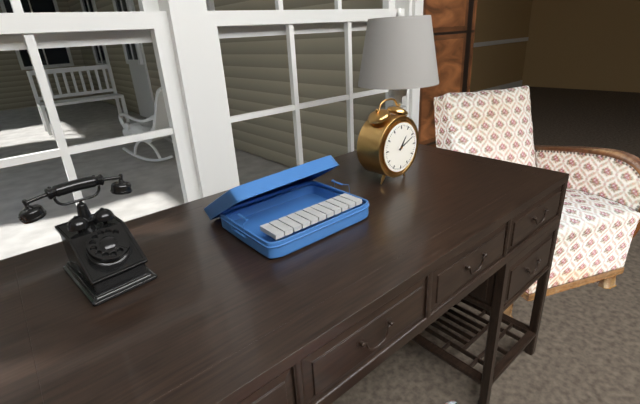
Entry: 1.11
